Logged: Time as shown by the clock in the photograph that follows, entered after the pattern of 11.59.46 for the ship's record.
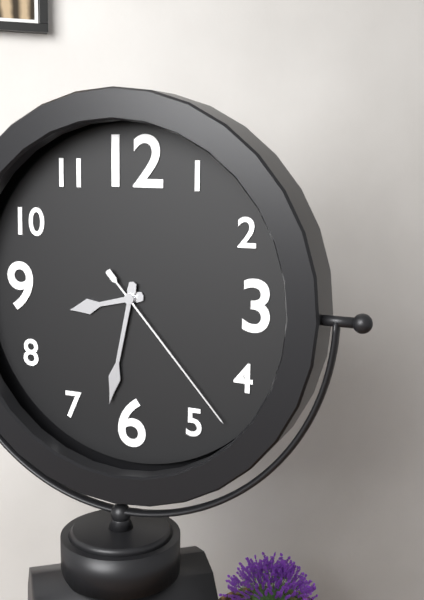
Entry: 8.32.23
